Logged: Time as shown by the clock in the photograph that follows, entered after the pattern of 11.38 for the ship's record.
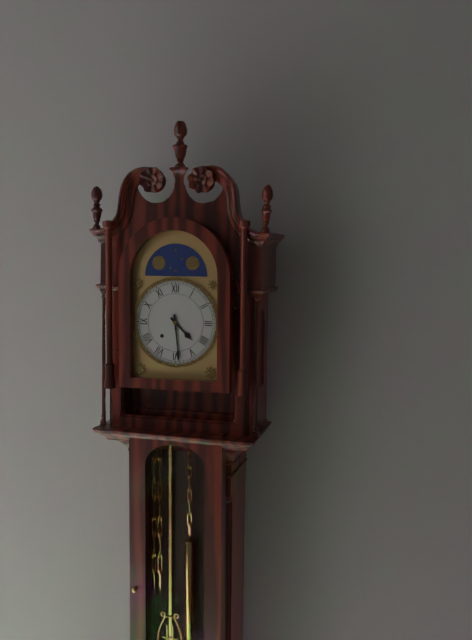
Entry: 4.29
